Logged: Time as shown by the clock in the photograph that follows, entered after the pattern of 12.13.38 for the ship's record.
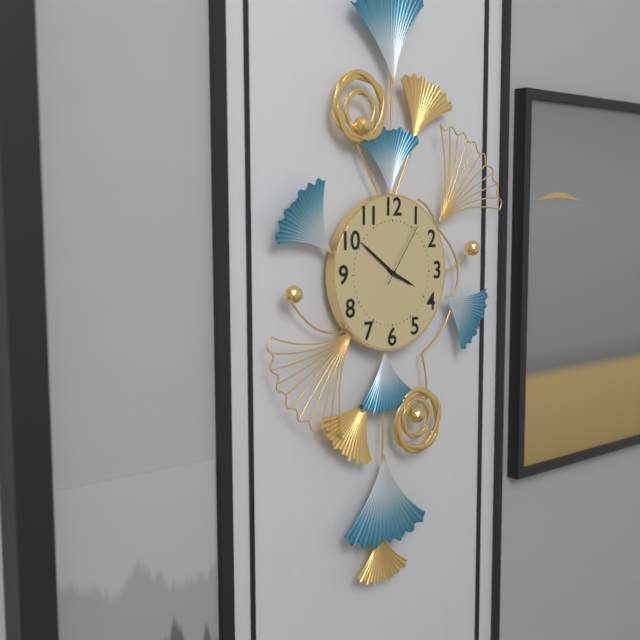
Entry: 3.51.06
